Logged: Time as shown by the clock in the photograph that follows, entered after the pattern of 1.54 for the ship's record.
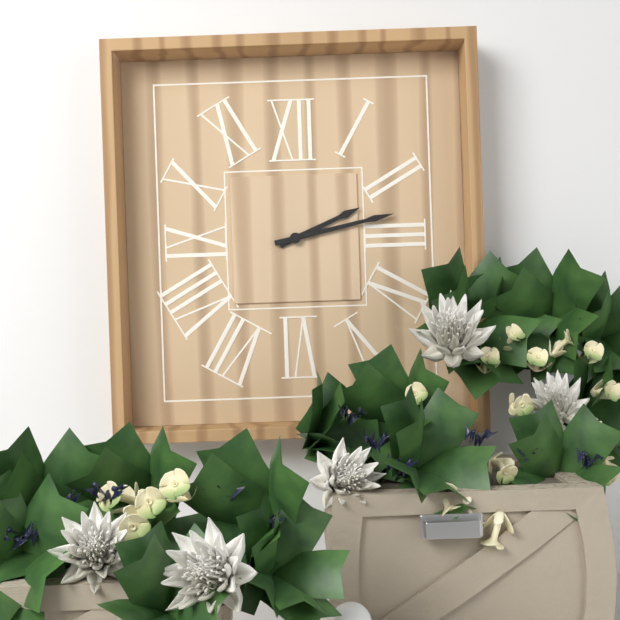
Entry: 2.13
